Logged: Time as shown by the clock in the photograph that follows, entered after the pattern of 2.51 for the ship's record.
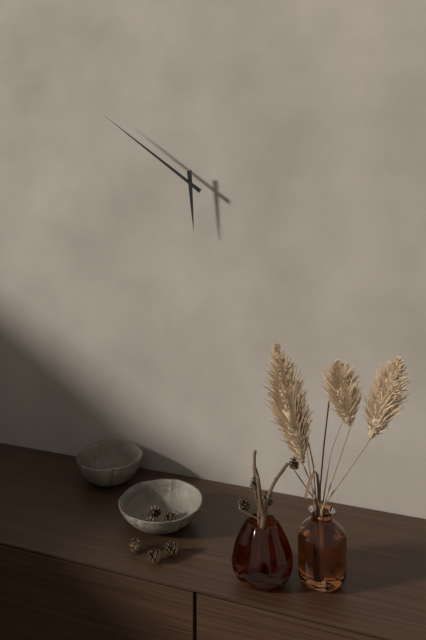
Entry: 5.51
